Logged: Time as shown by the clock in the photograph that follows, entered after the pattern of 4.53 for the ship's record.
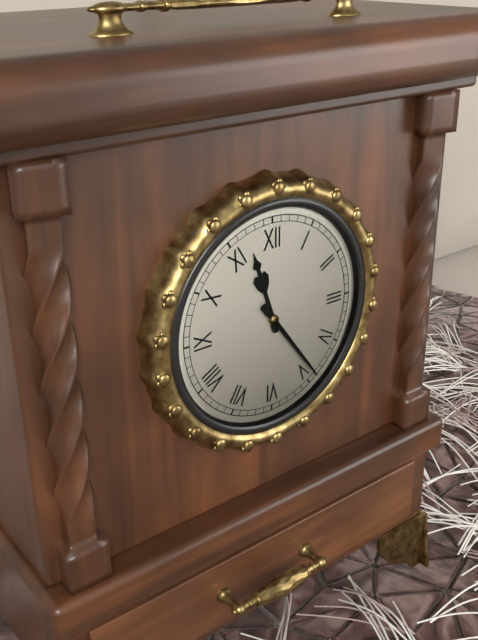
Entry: 11.24
